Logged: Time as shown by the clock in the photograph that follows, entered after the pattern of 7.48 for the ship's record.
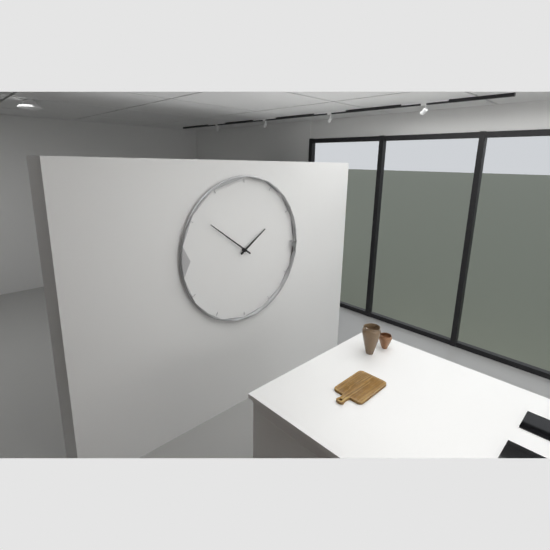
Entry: 1.51
